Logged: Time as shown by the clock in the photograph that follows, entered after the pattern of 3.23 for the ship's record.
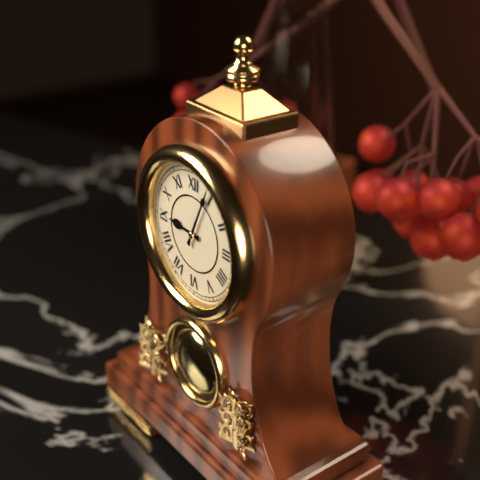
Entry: 9.04
